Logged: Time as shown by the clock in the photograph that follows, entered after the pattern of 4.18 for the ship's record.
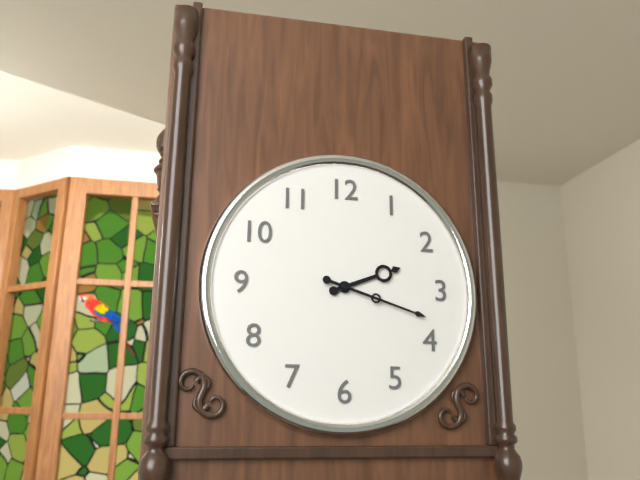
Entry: 2.18
